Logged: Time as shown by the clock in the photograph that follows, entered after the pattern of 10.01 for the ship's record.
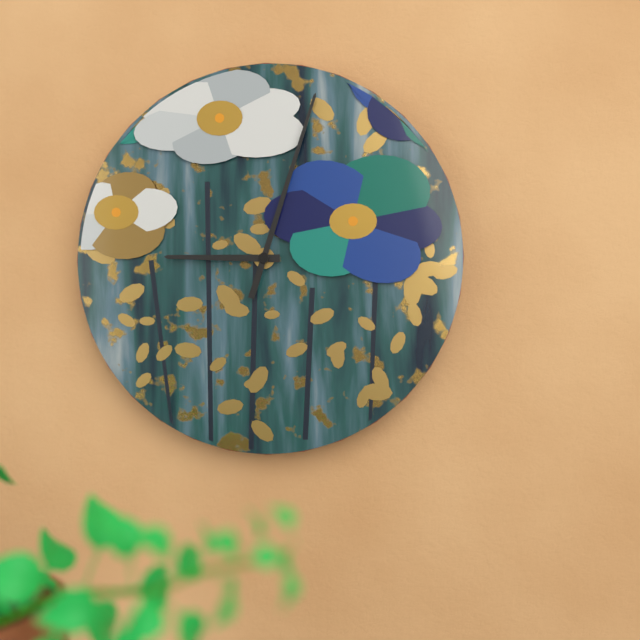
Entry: 9.03
